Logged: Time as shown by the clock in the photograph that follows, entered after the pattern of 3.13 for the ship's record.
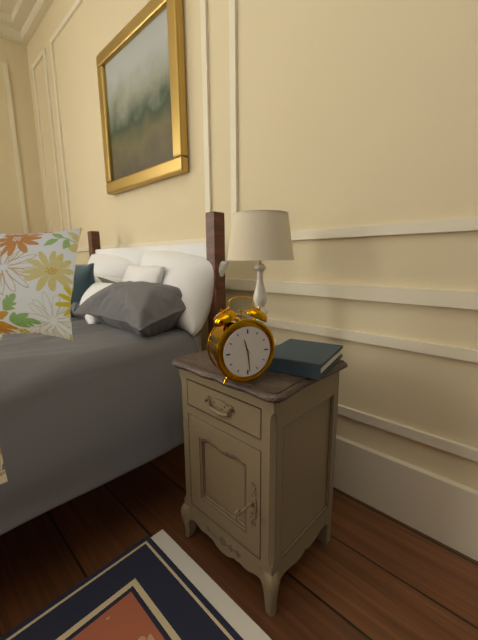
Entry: 11.29
